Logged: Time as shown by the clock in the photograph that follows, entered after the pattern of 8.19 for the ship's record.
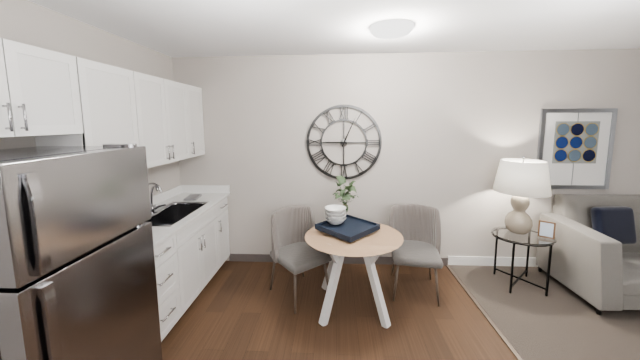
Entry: 9.04
